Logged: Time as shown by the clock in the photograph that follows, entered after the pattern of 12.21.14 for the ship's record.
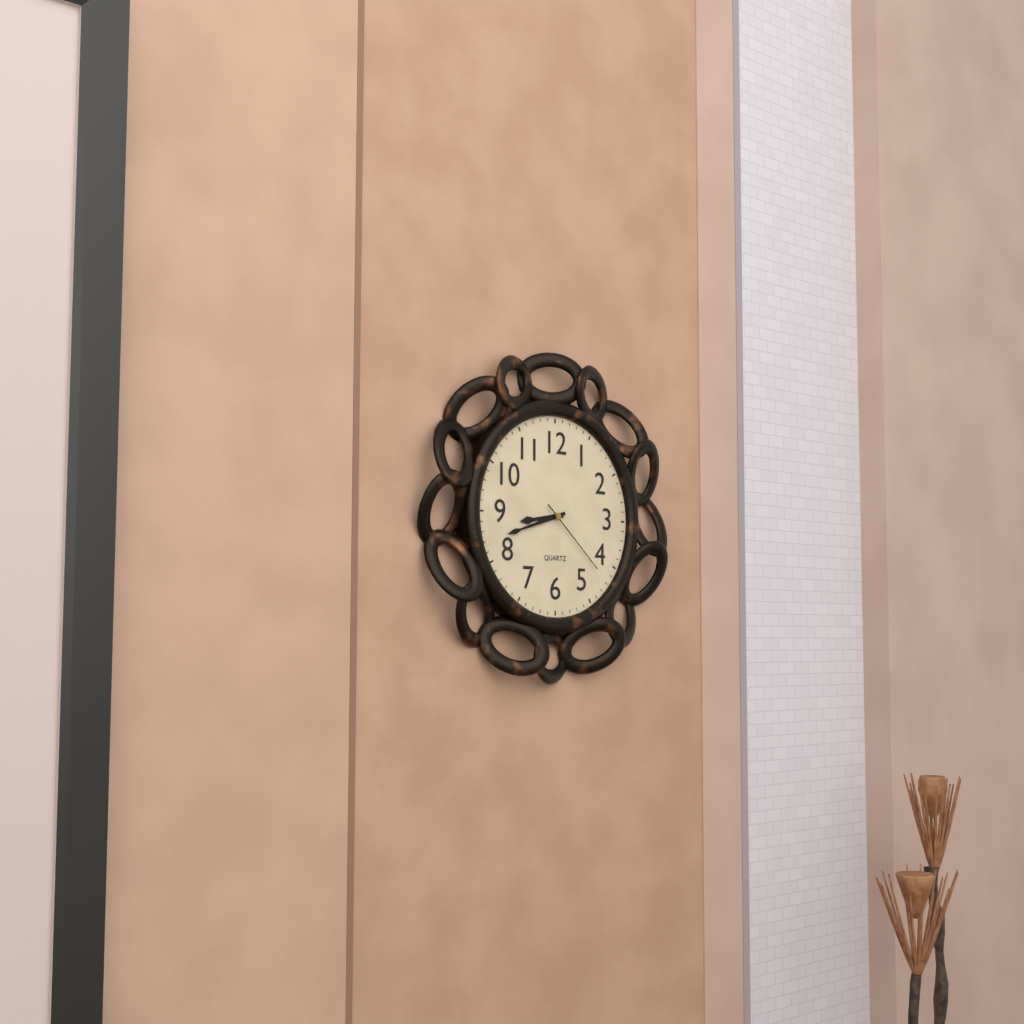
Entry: 8.42.22
